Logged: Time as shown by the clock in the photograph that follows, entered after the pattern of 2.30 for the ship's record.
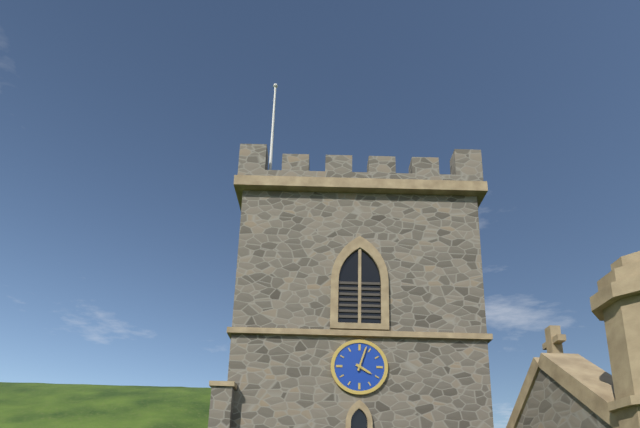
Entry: 4.03
